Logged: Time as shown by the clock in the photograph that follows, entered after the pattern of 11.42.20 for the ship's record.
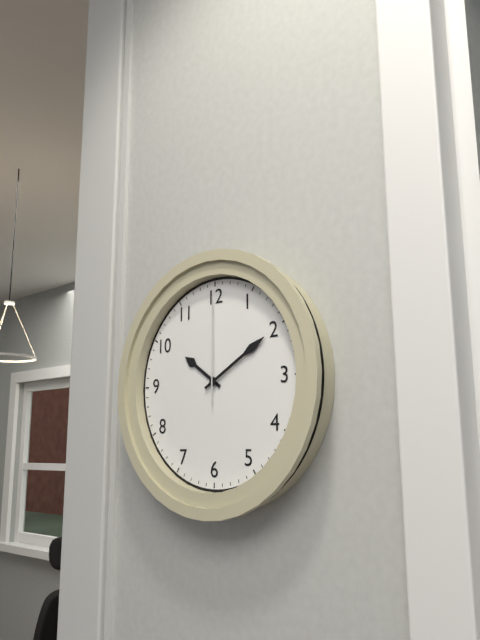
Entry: 10.10.00
